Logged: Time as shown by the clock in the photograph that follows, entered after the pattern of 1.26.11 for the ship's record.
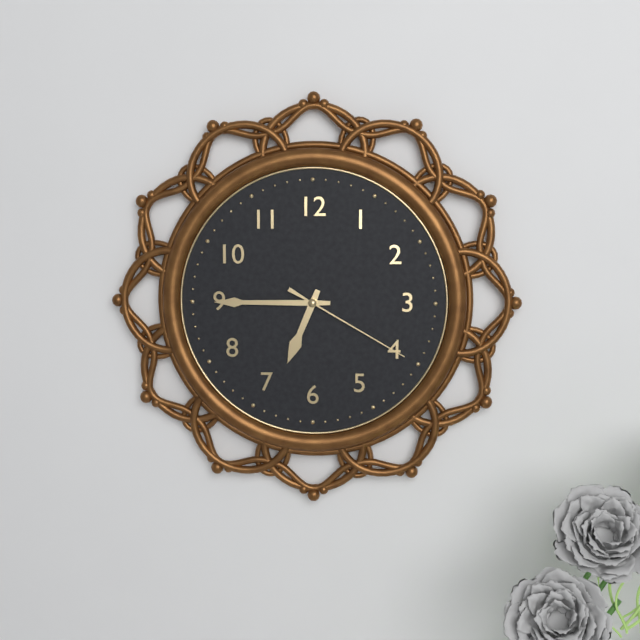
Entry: 6.45.20
